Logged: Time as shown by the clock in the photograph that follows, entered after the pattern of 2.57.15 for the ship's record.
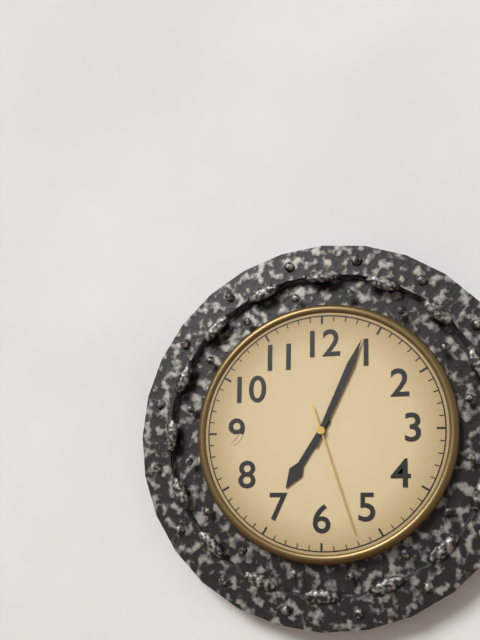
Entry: 7.04.27
